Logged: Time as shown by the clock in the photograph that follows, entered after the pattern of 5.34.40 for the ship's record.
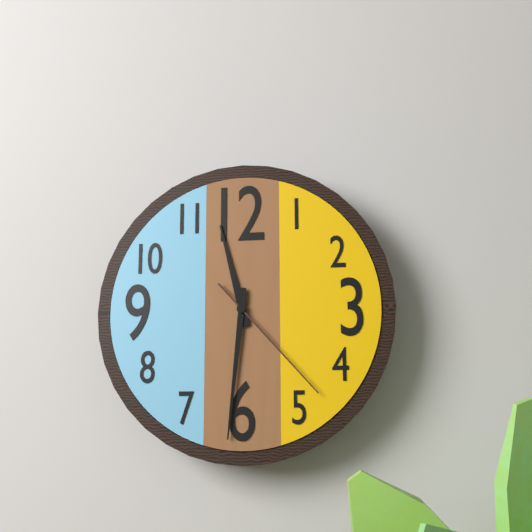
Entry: 11.31.23
